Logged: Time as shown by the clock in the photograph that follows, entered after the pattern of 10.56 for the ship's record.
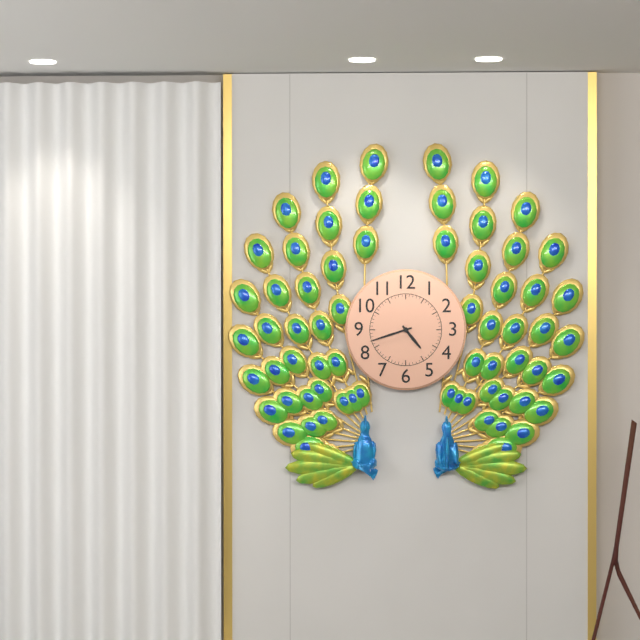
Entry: 4.42
